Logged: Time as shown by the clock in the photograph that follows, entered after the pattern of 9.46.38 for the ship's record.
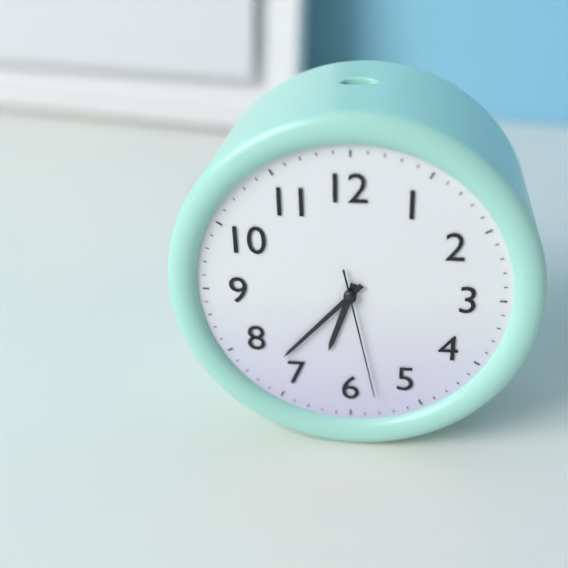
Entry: 6.37.28
